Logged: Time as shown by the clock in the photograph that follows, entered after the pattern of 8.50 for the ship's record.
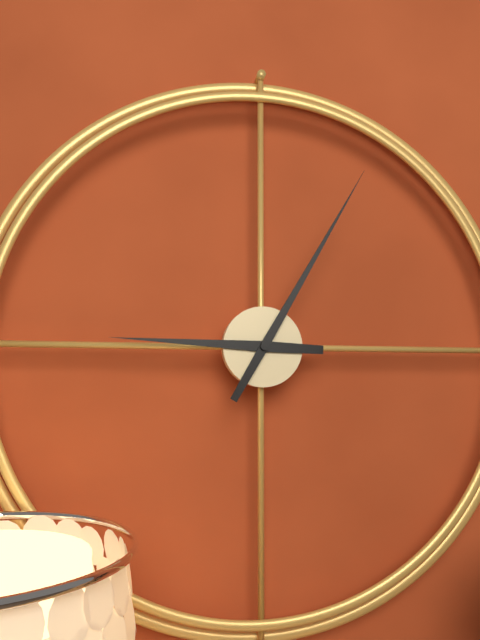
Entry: 9.05
